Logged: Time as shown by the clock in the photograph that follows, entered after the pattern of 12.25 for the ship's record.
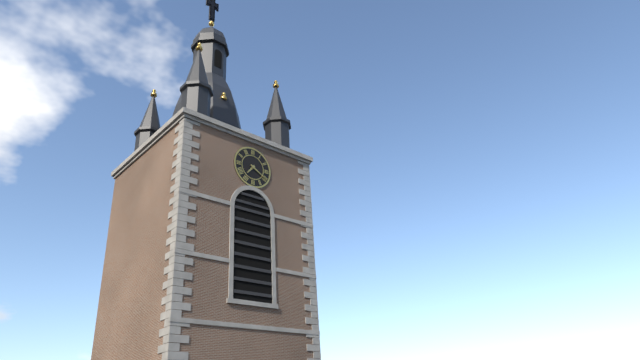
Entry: 7.20
